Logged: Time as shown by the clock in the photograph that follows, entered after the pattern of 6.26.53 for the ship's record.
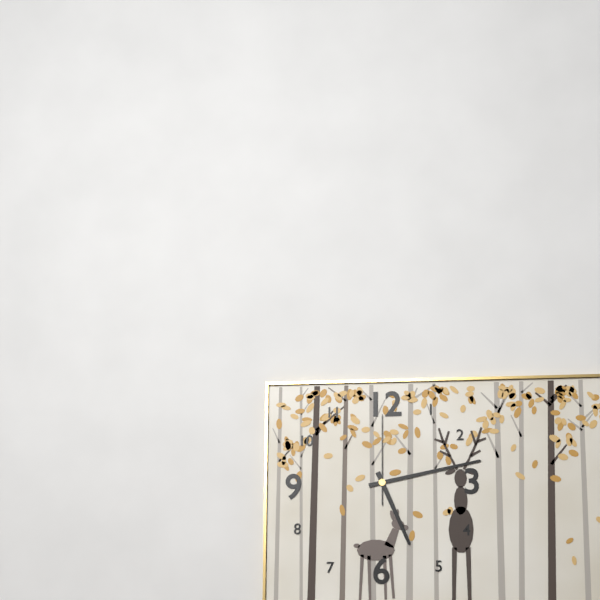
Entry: 5.13.00
